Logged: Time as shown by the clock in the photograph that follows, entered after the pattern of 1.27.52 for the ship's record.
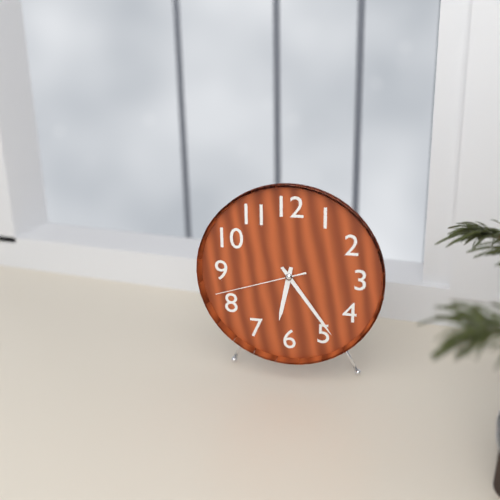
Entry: 6.24.42
